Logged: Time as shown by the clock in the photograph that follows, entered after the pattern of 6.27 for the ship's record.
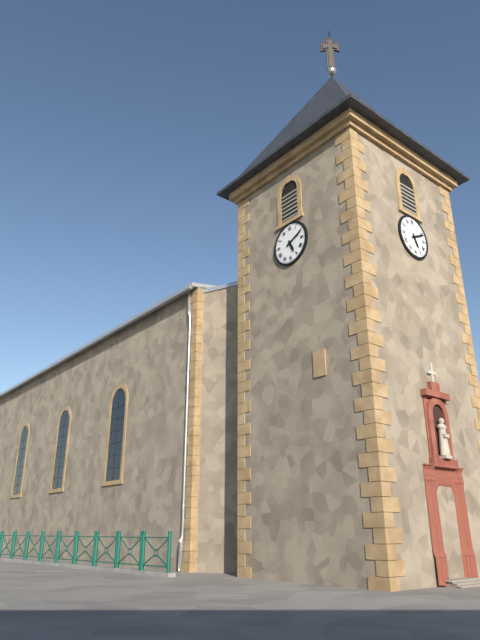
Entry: 5.11
